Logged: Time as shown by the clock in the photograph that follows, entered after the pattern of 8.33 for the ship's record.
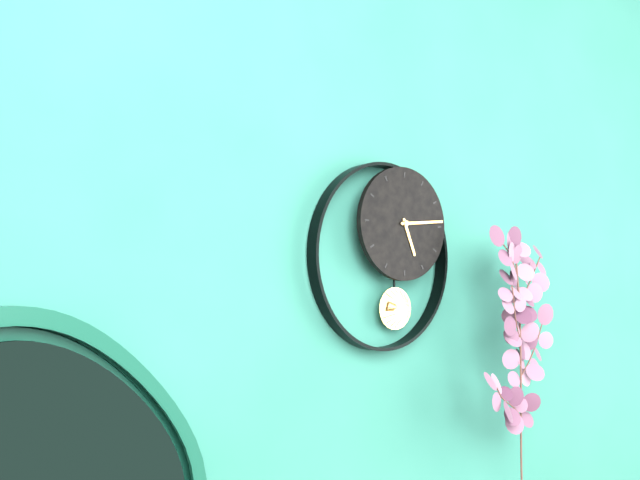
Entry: 5.14
